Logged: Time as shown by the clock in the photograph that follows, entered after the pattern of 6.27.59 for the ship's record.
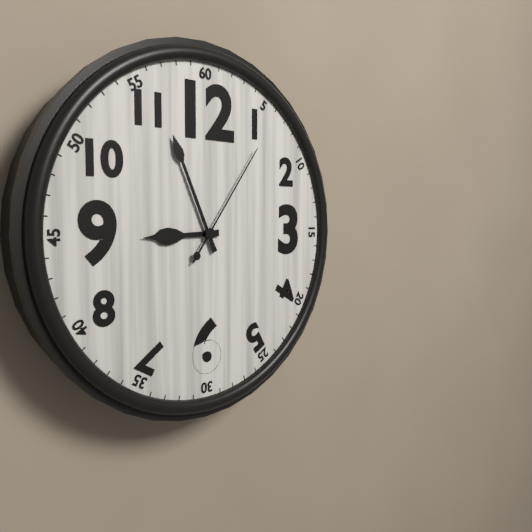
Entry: 8.56.06
